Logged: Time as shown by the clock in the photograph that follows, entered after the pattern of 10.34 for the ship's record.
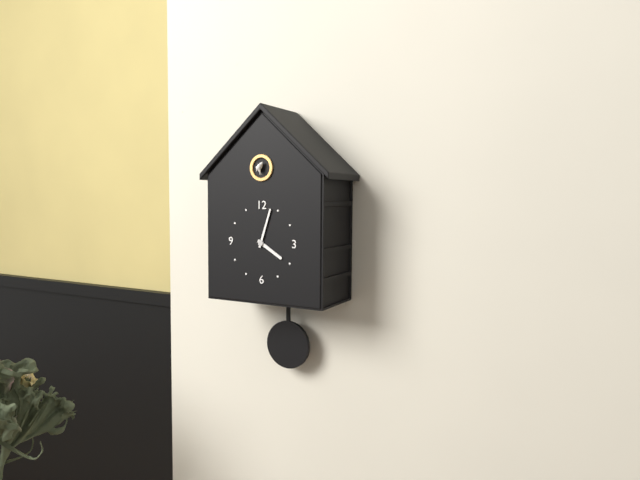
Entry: 4.03
